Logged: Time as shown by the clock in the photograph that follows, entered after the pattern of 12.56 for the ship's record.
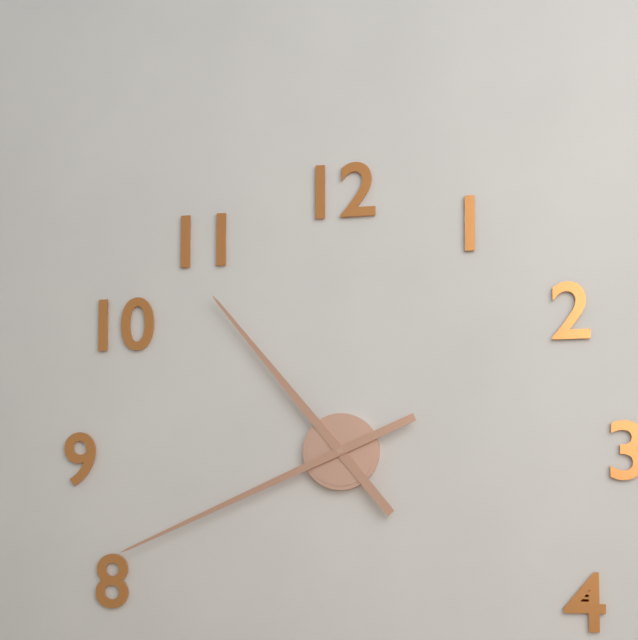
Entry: 10.41
